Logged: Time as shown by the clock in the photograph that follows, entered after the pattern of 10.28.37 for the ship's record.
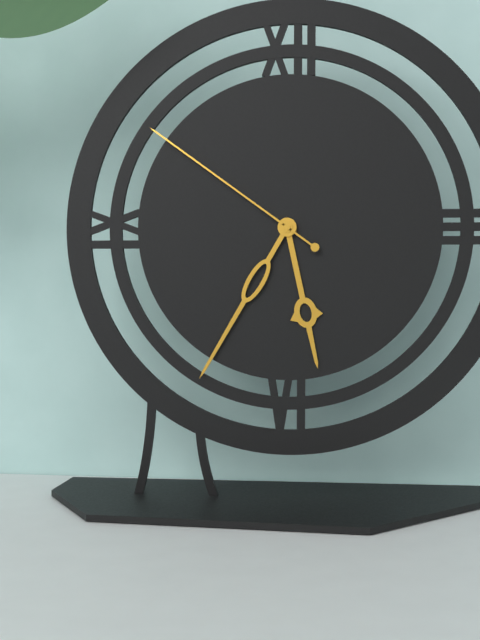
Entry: 5.35.51
